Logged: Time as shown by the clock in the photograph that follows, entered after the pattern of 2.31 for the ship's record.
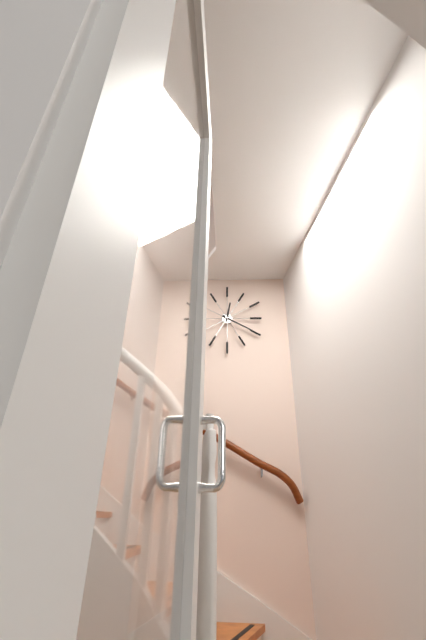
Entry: 12.20
